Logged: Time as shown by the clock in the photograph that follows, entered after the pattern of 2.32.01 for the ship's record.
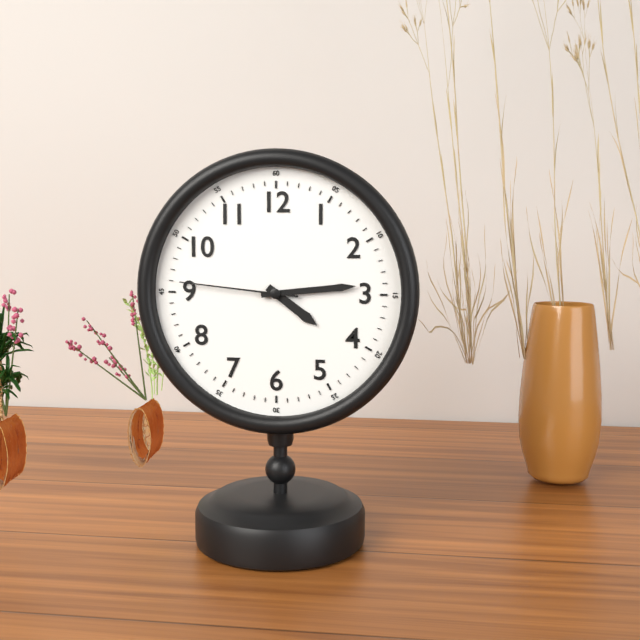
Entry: 4.14.46
